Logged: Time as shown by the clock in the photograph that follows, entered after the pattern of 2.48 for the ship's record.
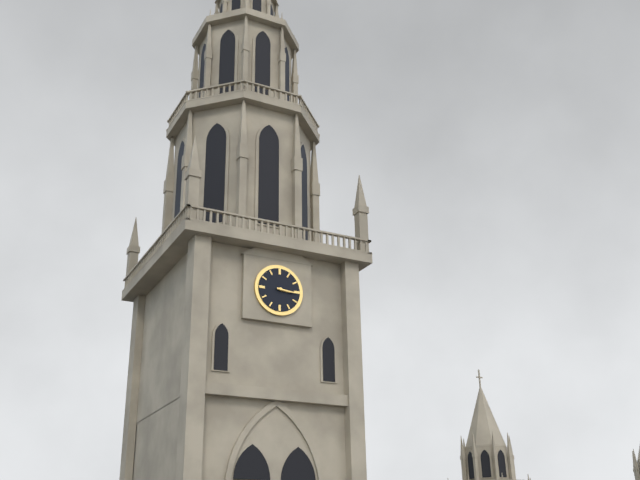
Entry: 3.16
